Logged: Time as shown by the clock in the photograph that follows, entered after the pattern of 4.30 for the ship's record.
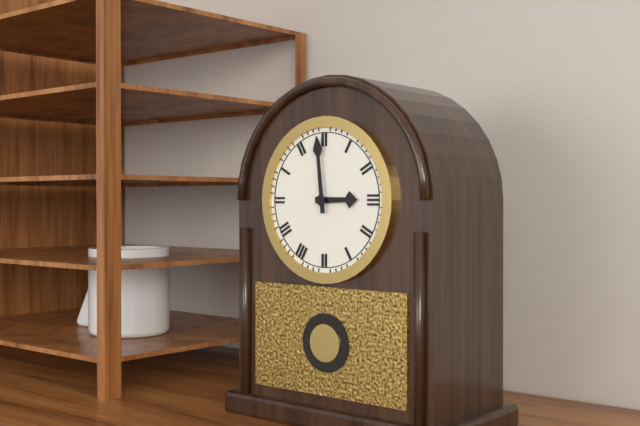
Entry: 2.59
